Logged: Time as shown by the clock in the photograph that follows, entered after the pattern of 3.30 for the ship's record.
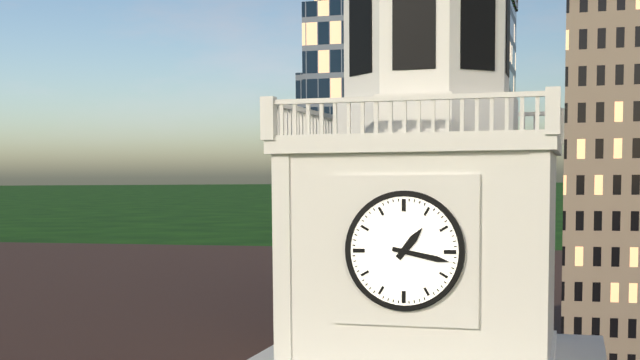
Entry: 1.17
